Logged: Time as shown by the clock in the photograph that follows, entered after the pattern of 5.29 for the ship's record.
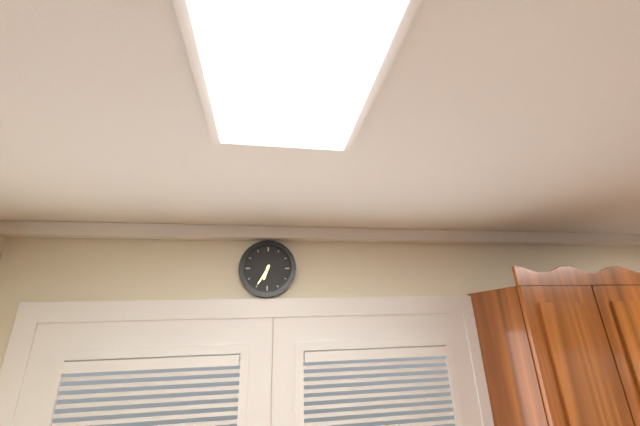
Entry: 6.35
